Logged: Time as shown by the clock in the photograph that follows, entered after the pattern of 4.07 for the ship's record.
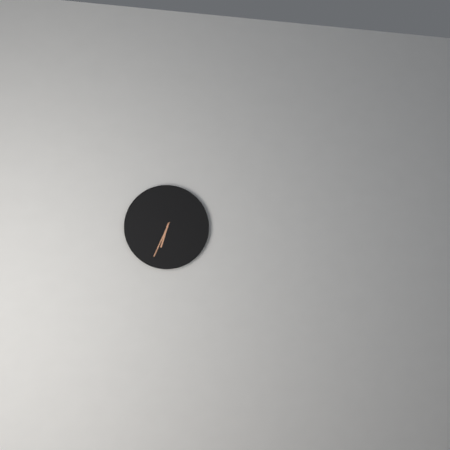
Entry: 6.34
